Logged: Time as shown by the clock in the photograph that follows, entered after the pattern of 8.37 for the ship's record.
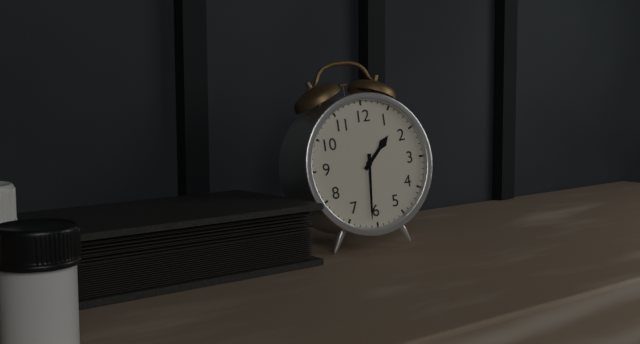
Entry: 1.31
